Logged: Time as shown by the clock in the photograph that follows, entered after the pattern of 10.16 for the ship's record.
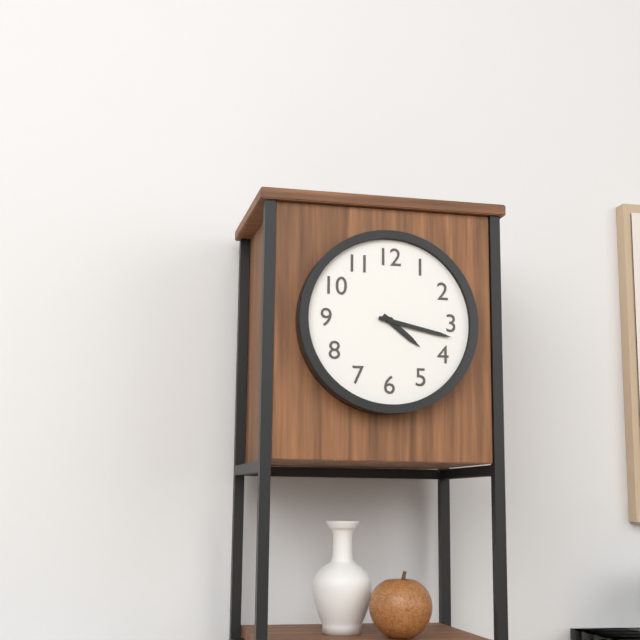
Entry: 4.17
